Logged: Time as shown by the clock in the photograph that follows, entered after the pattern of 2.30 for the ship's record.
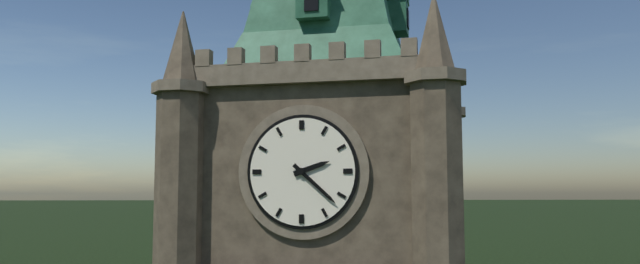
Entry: 2.22
